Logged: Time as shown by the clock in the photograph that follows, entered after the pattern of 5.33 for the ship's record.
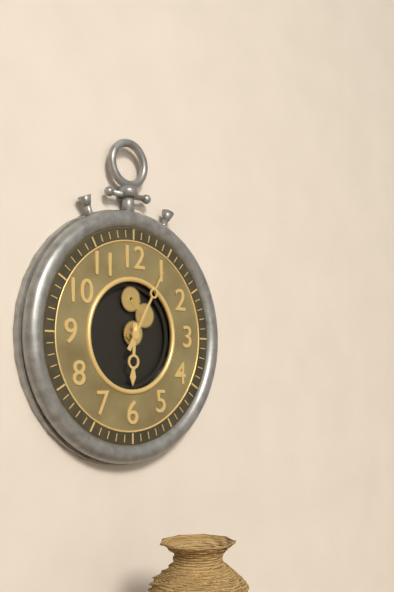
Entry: 6.05
